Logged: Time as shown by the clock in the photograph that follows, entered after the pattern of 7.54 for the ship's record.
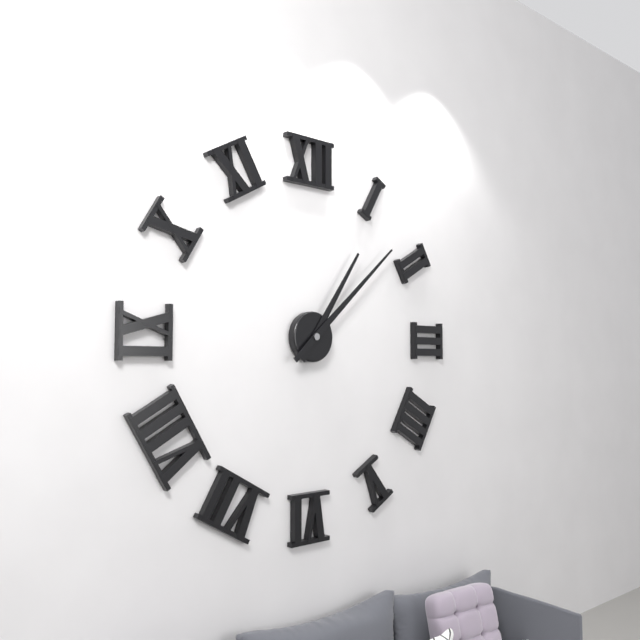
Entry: 1.08
